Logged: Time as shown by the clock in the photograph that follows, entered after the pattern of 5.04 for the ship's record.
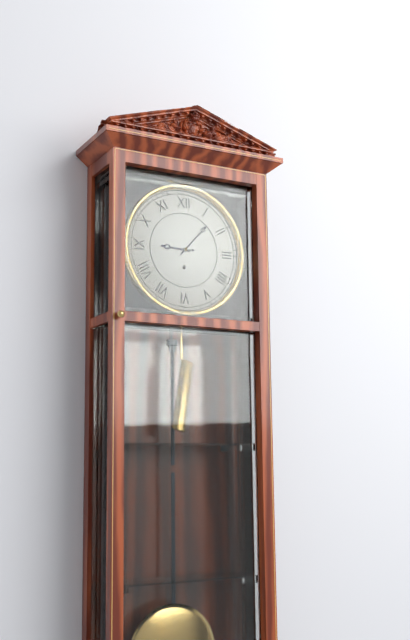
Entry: 9.07
